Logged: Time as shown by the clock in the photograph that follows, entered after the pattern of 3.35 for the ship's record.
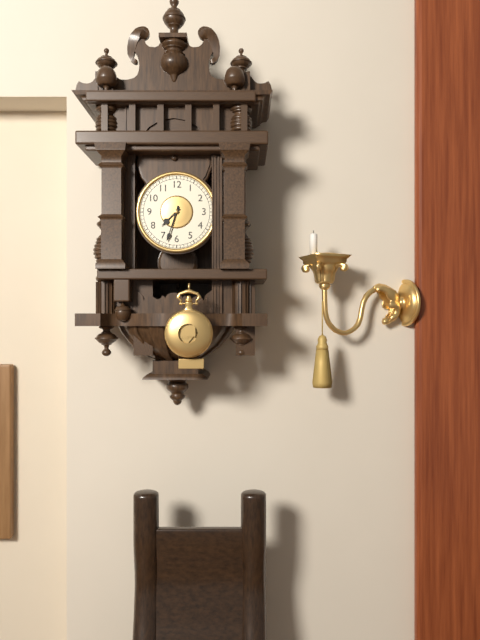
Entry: 7.33
